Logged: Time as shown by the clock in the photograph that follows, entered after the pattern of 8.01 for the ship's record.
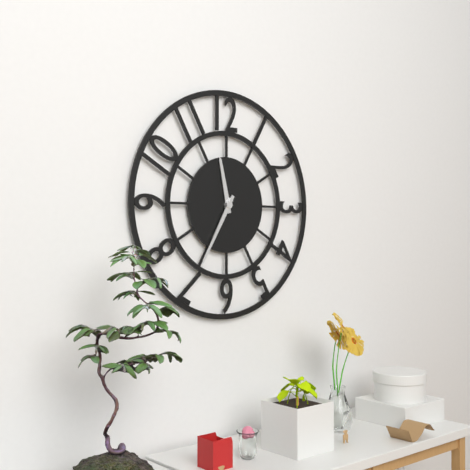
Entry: 11.35
